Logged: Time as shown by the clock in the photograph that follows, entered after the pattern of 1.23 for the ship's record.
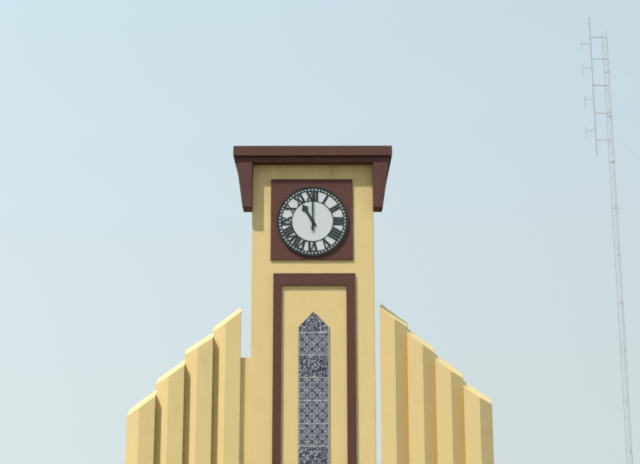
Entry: 11.00
